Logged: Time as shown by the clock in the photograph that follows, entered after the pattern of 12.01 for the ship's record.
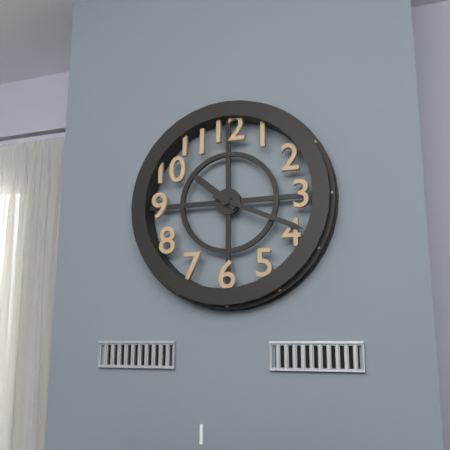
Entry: 10.19
